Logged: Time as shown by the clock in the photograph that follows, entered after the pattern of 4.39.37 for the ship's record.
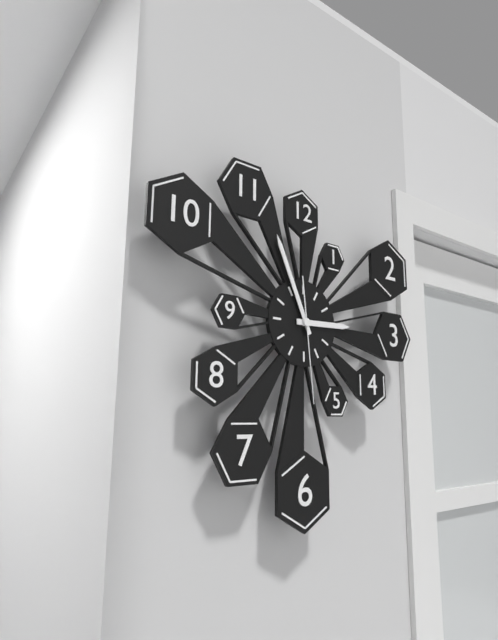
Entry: 2.56.29
